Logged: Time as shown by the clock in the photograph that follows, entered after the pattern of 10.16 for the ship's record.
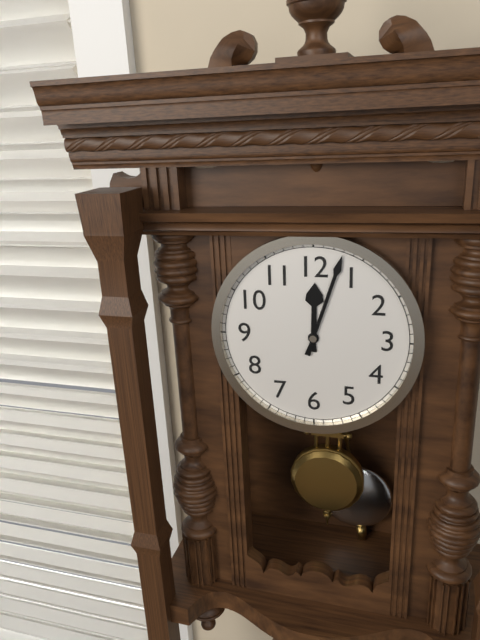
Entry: 12.03
